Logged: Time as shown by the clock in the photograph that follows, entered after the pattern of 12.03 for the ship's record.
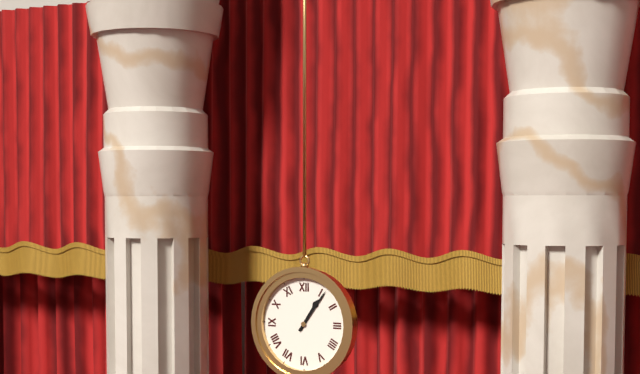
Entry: 1.06
